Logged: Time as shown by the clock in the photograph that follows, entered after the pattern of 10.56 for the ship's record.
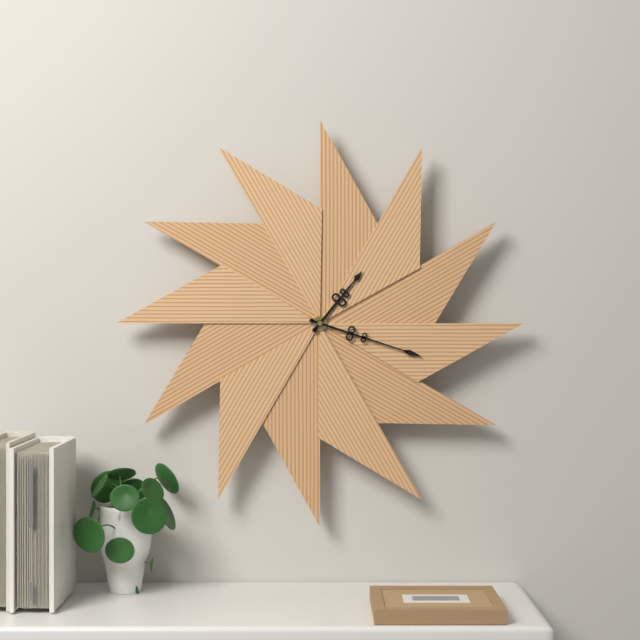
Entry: 1.18
